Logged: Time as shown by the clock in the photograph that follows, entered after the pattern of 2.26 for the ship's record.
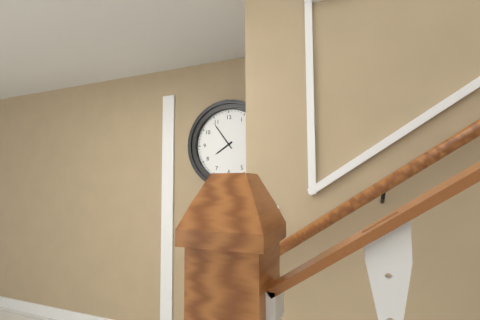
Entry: 7.54
